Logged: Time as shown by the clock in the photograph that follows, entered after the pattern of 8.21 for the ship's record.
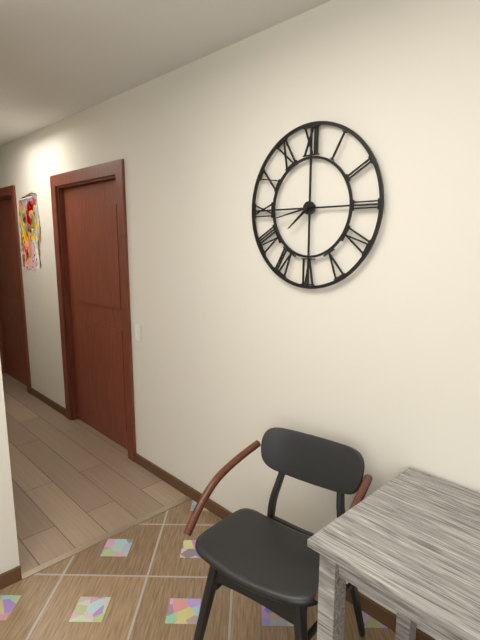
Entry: 7.43
